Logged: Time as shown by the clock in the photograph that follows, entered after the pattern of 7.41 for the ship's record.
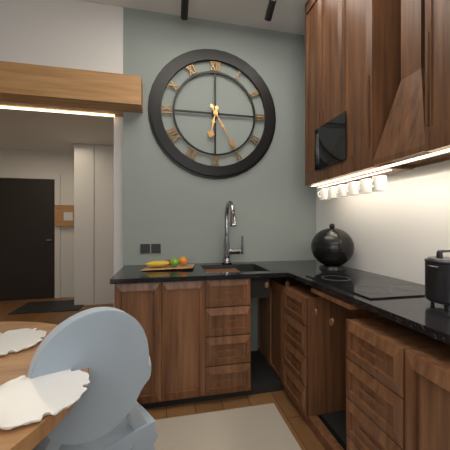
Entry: 6.25
